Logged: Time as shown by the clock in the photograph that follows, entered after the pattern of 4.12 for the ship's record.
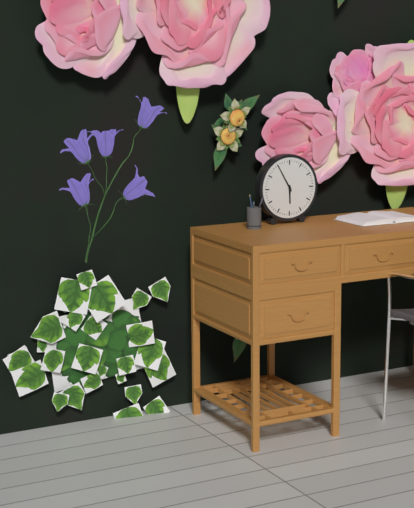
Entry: 5.55
